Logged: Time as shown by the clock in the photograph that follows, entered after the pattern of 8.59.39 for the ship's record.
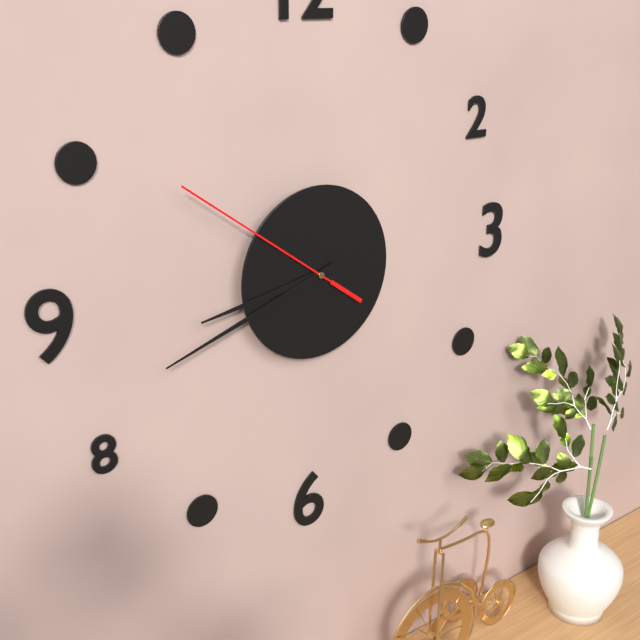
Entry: 8.42.51
